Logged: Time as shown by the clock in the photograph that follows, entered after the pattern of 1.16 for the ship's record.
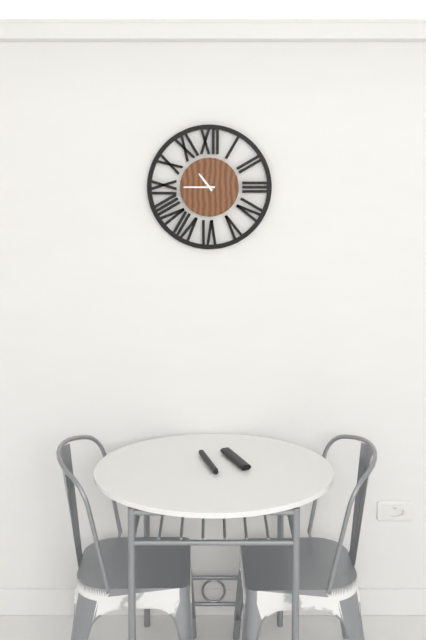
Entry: 10.45
